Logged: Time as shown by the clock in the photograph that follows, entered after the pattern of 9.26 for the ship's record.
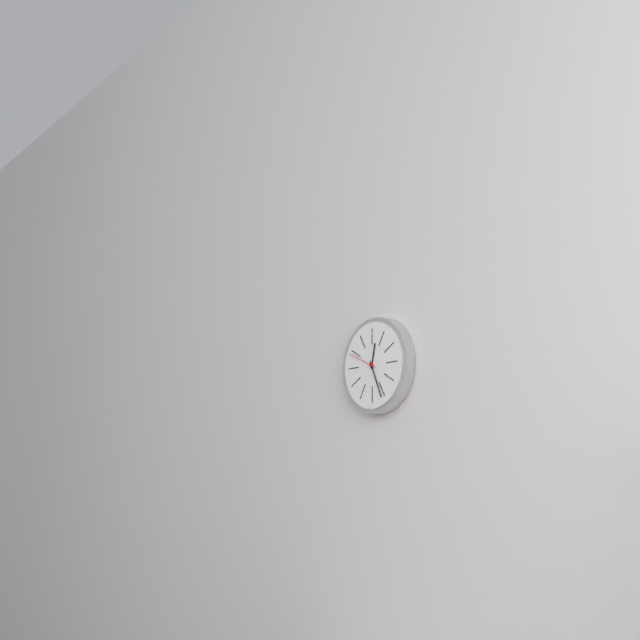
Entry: 12.26
